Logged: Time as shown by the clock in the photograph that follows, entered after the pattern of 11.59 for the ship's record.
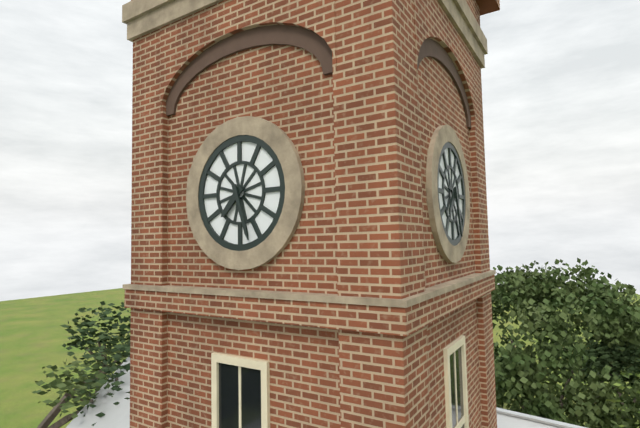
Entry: 7.27
